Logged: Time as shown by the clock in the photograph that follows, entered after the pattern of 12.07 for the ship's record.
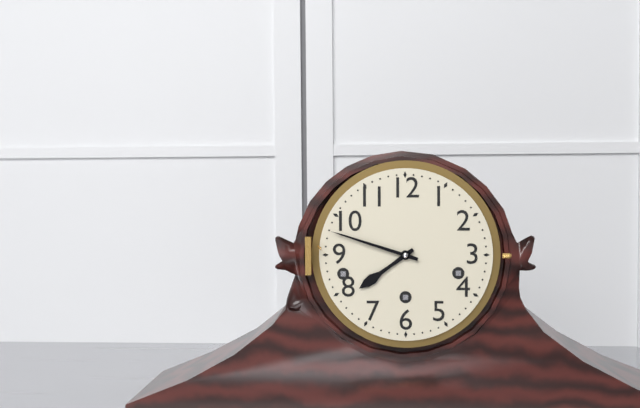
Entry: 7.48
